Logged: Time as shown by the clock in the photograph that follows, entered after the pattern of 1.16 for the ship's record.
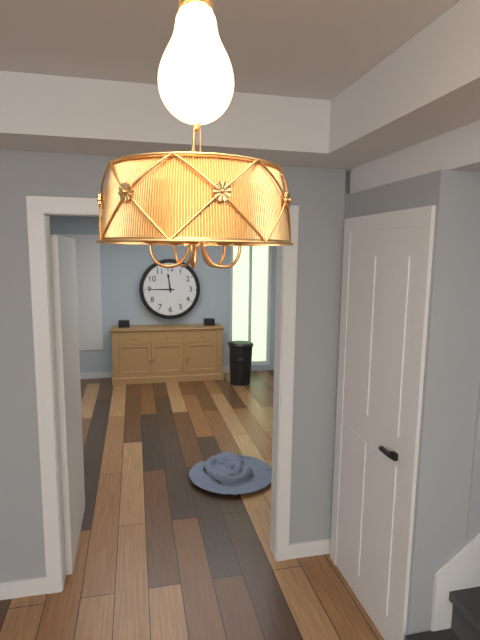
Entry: 11.45
